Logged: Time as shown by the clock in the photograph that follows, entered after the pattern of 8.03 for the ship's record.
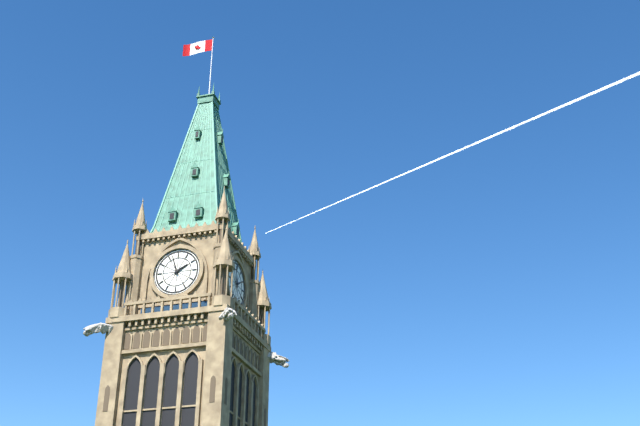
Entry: 1.57
